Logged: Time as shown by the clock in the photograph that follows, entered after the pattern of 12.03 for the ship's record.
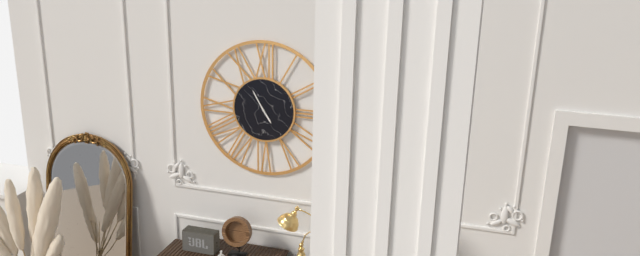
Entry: 4.55
